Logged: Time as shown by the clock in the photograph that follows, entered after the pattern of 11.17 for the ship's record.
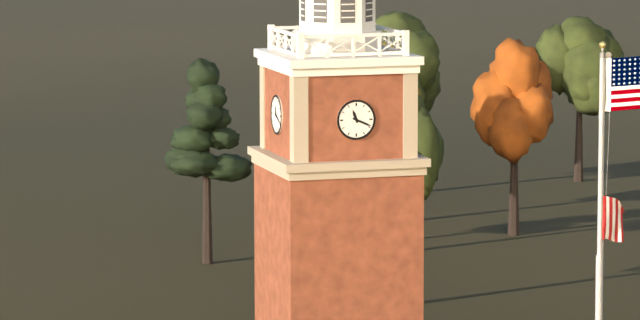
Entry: 11.19
